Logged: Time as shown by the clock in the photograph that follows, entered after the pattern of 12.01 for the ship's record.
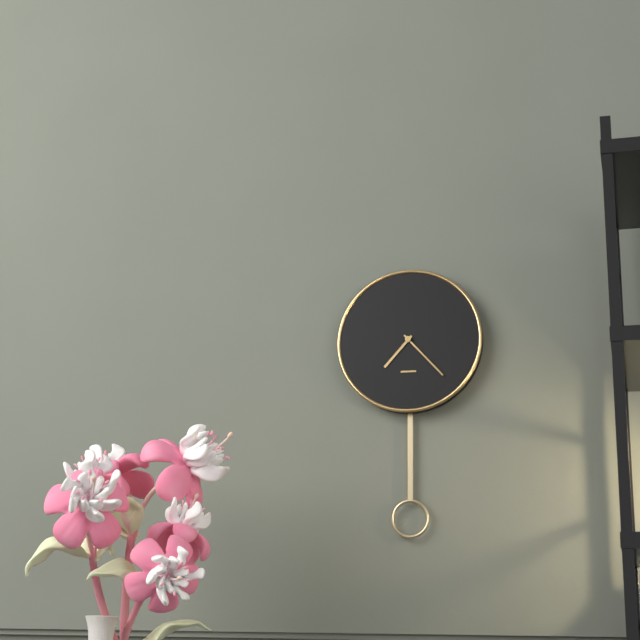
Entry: 7.23
